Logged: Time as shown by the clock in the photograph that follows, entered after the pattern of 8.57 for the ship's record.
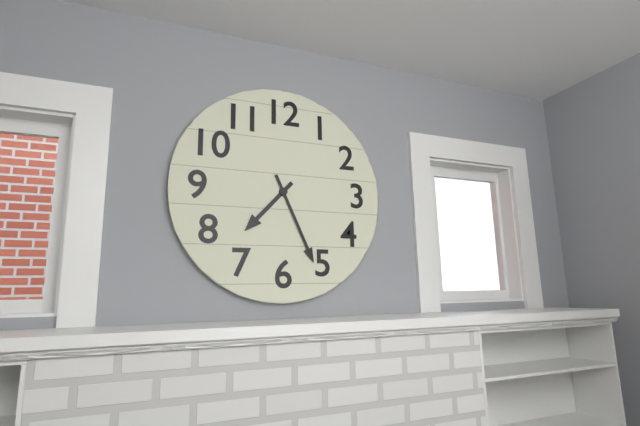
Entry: 7.26
